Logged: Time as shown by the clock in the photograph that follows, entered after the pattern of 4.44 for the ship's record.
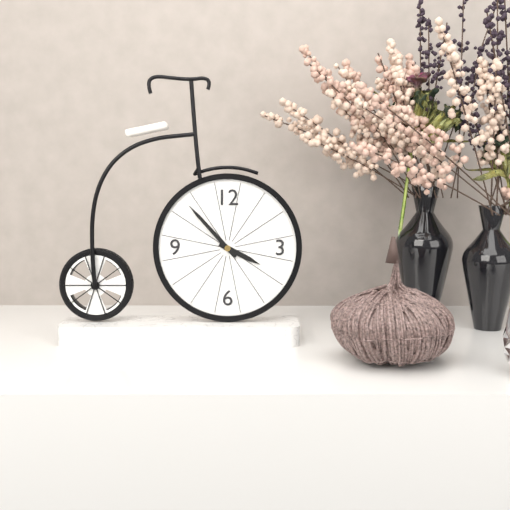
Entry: 3.53
